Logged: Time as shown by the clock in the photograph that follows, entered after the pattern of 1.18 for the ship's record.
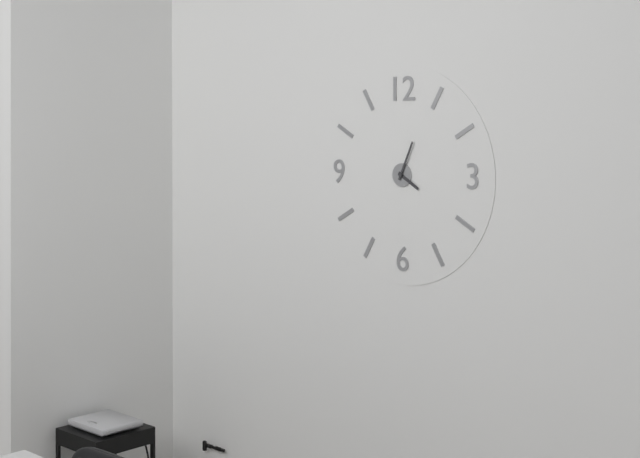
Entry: 4.04
